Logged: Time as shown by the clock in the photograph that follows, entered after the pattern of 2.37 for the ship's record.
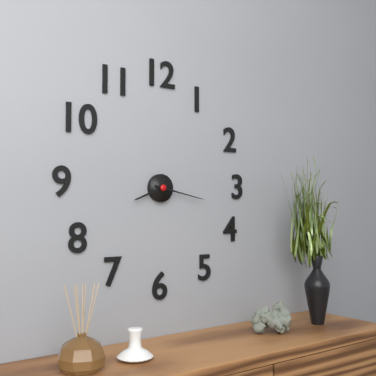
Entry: 8.17
